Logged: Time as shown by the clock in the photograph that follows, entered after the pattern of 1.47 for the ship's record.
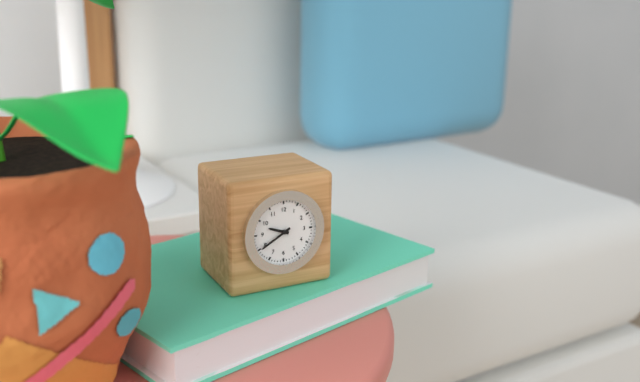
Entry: 9.40
